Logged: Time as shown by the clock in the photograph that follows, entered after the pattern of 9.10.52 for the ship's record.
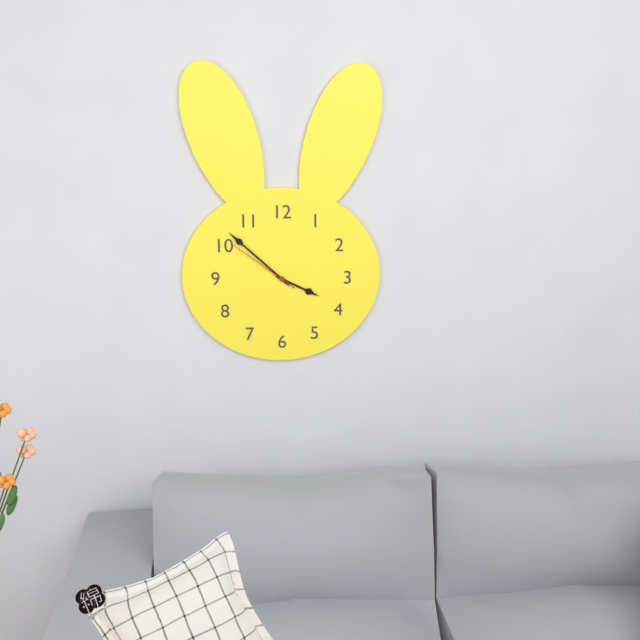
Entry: 3.52.51
